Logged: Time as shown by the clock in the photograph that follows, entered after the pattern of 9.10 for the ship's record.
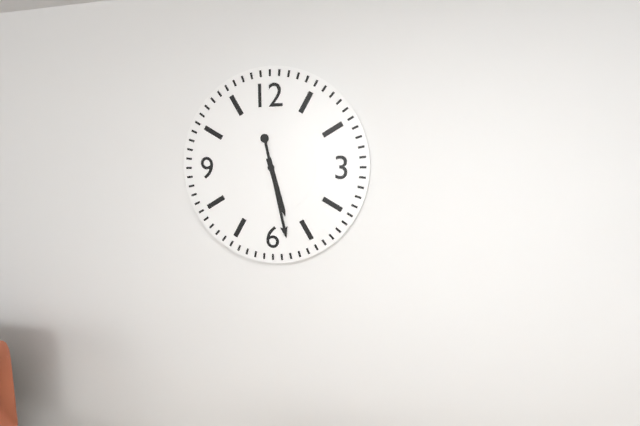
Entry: 5.28
